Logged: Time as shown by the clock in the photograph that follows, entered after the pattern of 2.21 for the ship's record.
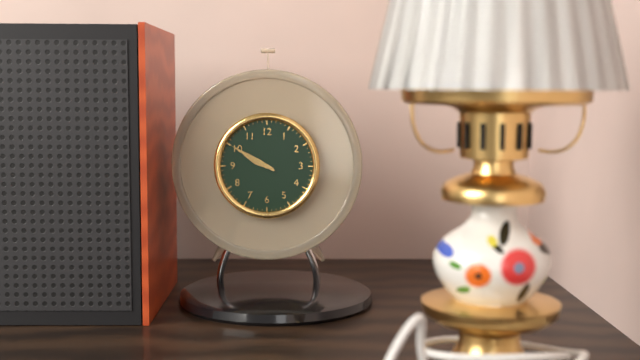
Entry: 9.50
